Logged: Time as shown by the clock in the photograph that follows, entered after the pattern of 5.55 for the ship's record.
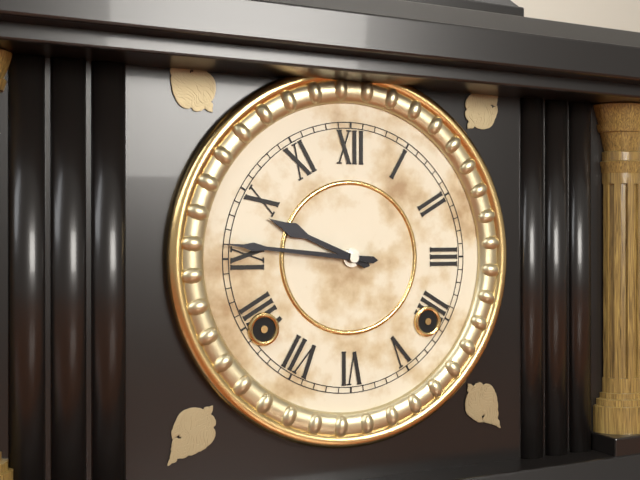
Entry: 9.46
